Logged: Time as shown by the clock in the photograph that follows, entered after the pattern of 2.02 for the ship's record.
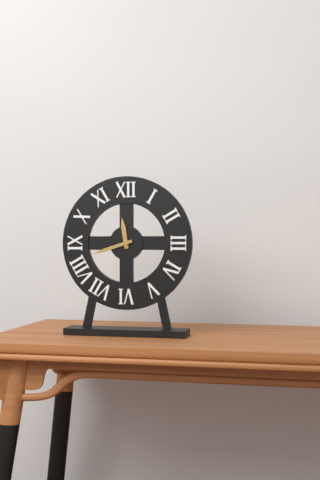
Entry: 11.42
